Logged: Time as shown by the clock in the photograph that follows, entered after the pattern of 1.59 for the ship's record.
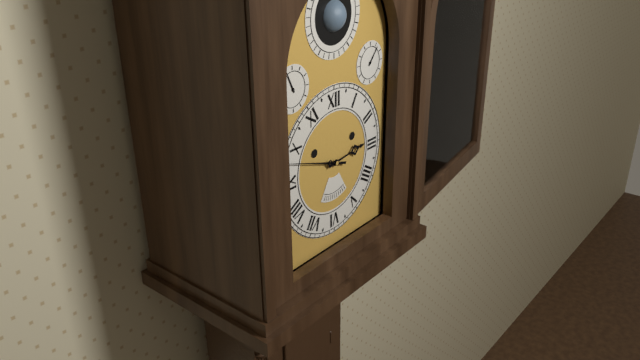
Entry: 2.48
